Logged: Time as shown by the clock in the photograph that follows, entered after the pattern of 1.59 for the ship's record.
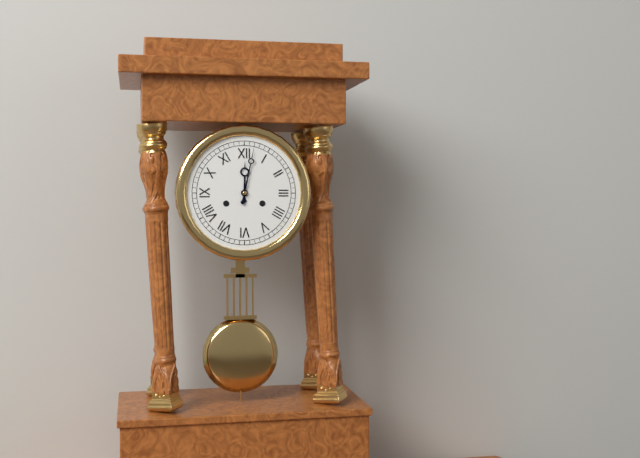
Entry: 12.02
